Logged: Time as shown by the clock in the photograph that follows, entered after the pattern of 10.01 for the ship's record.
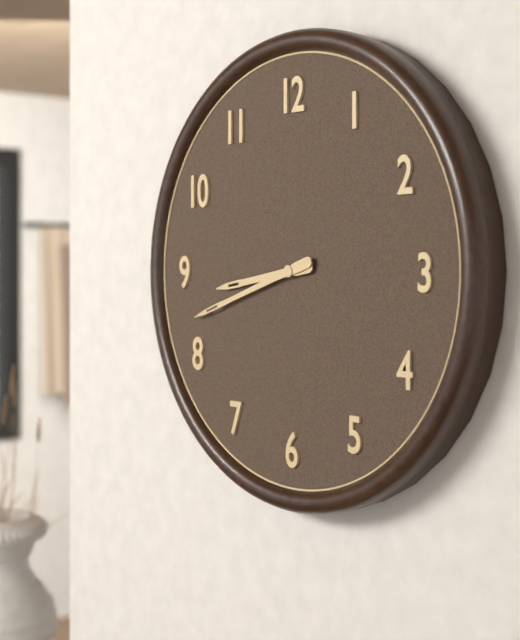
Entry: 8.42
